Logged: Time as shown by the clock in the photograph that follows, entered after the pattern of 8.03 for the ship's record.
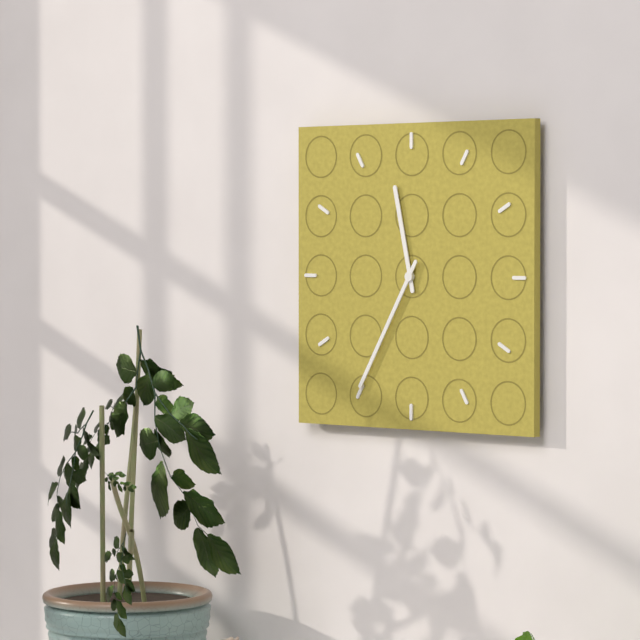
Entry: 11.35
